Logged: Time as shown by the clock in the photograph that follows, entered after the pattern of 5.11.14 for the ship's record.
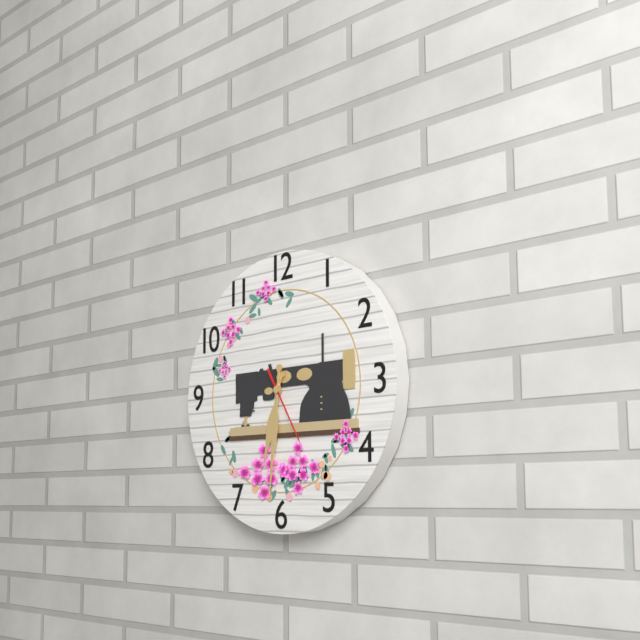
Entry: 6.31.25
